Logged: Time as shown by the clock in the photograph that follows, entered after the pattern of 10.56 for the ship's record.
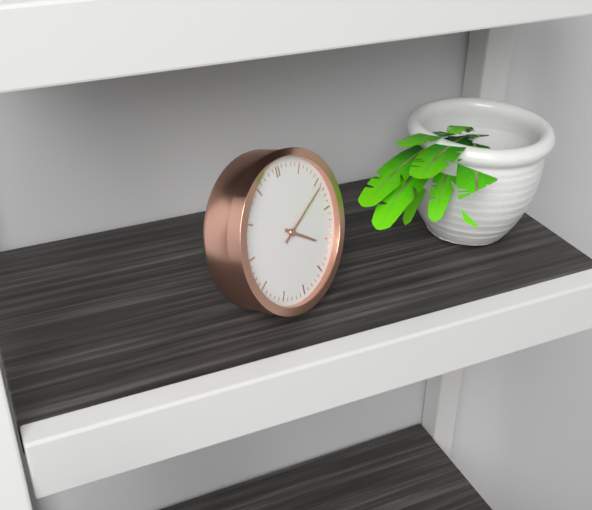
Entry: 4.11
